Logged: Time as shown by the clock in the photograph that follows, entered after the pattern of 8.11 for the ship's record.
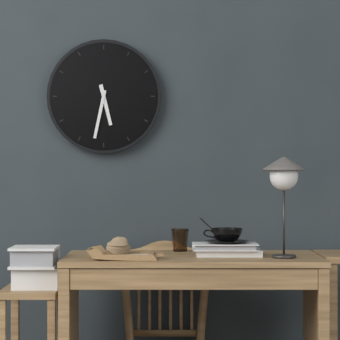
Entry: 5.32
